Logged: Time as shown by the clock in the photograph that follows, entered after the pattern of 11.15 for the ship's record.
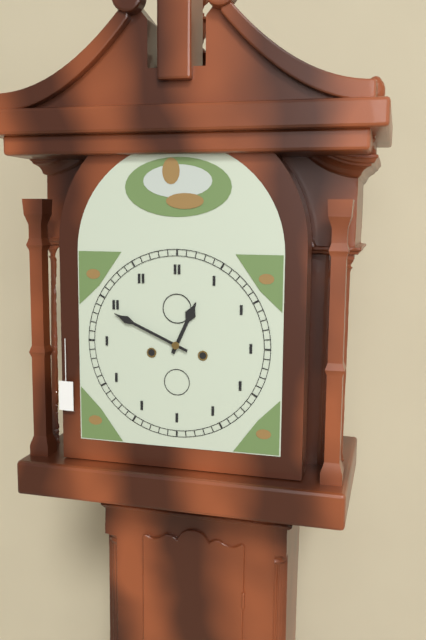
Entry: 12.49
